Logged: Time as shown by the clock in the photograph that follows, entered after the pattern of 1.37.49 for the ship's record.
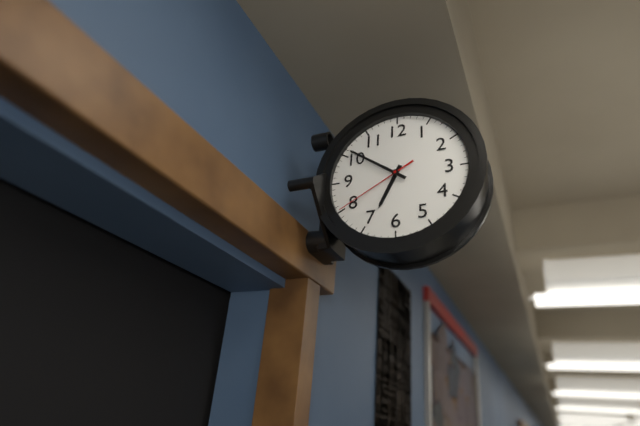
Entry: 6.51.40
